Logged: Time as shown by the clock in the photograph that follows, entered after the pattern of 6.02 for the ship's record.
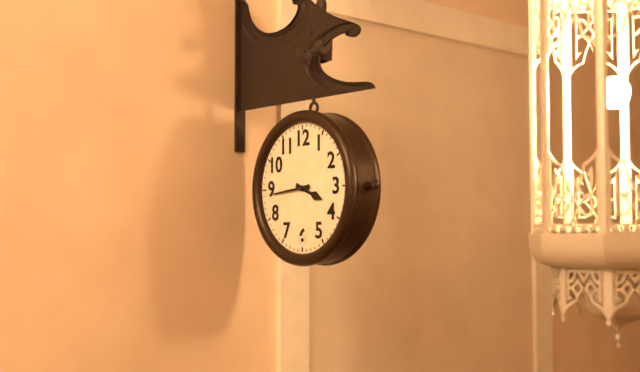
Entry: 3.44
